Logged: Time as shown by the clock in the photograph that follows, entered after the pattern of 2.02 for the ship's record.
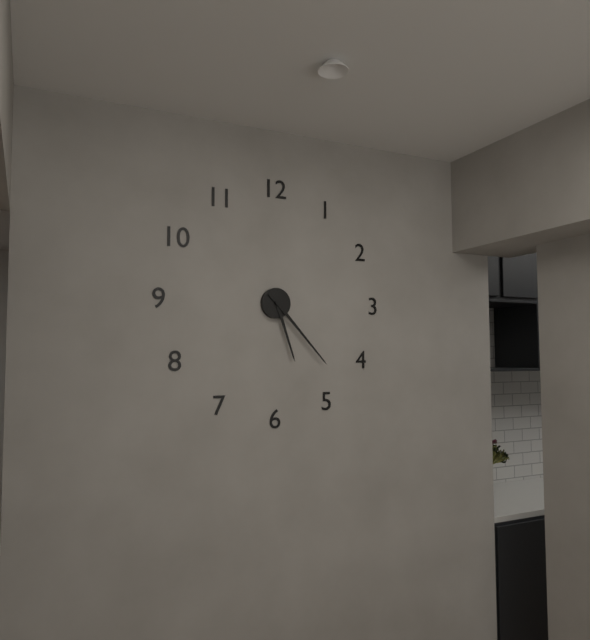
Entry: 5.23
